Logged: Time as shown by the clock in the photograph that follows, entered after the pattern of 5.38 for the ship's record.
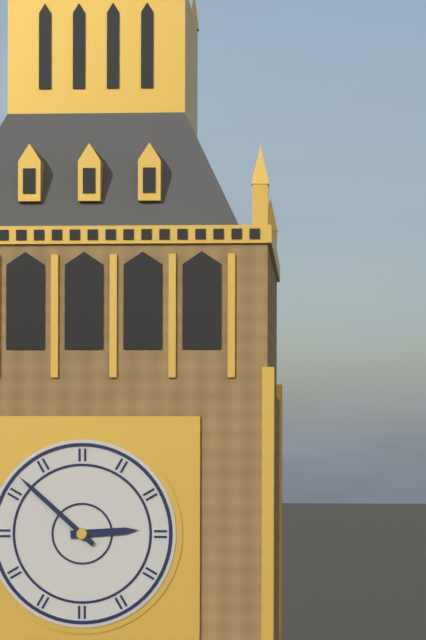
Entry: 2.52
